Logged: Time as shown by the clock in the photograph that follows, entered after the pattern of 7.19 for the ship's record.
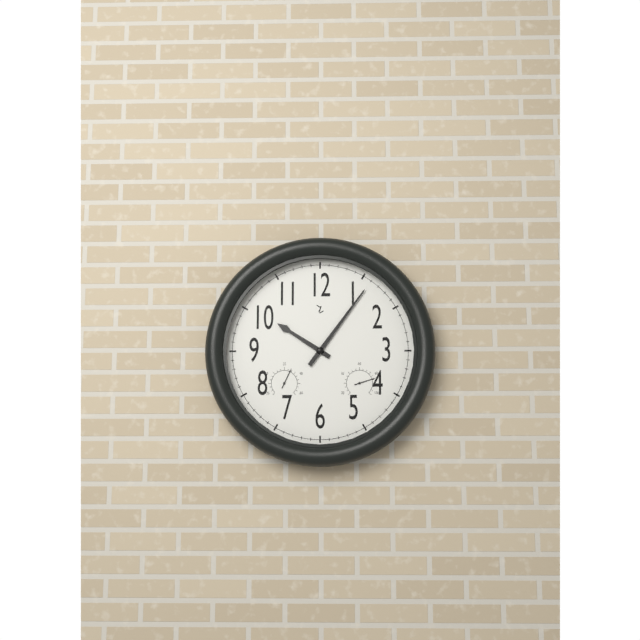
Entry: 10.06
